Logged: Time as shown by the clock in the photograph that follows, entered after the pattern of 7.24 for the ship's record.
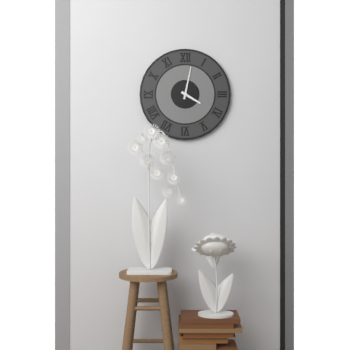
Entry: 4.02
